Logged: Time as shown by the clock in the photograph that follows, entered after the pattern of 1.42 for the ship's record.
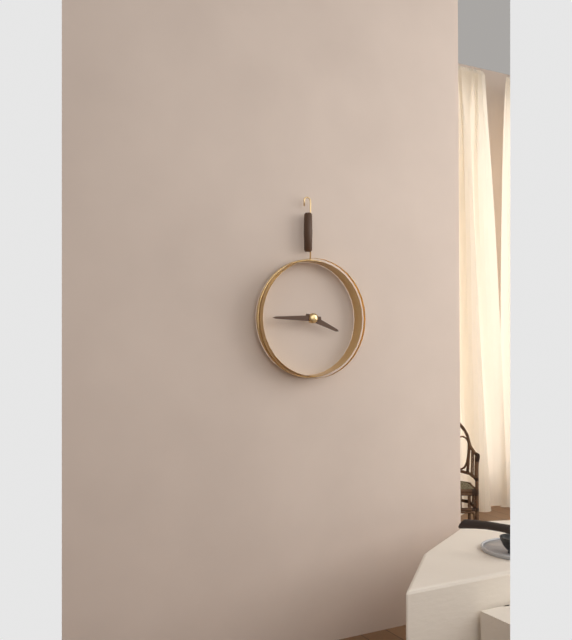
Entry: 3.45
